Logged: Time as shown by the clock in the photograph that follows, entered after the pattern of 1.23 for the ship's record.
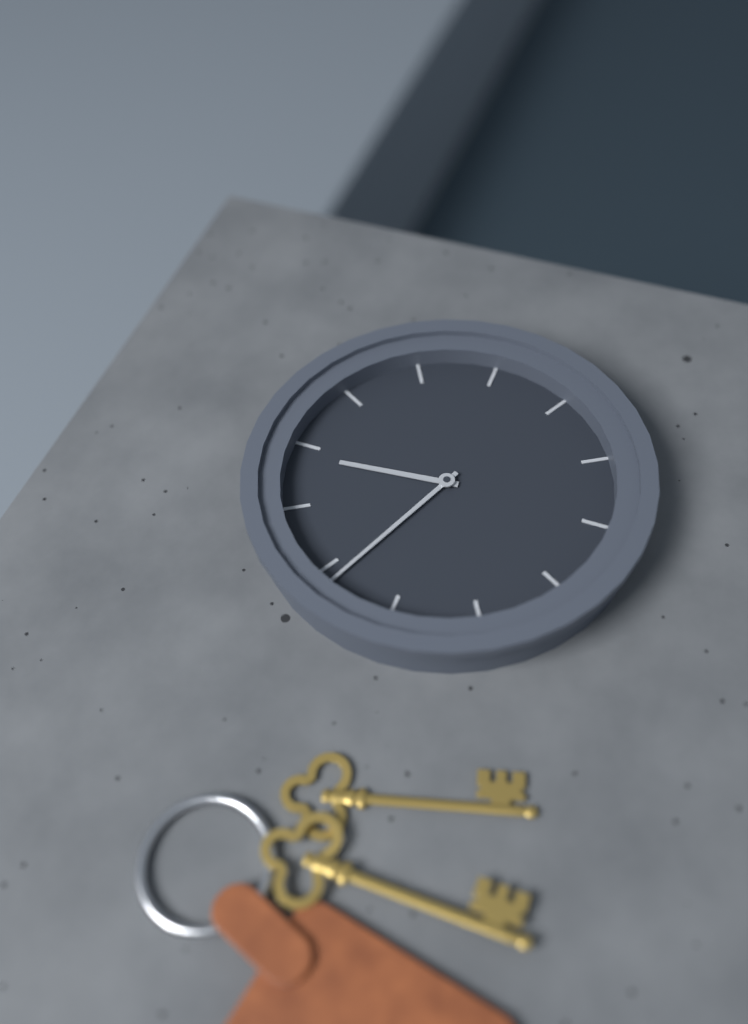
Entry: 11.49
